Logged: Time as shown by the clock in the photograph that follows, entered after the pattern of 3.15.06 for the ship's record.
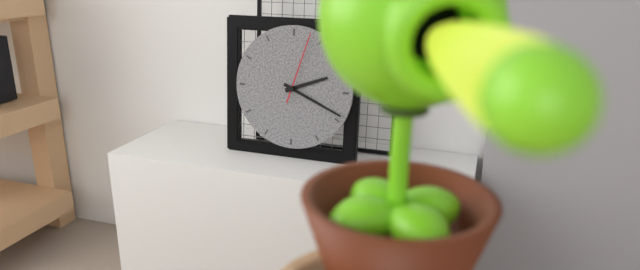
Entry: 2.19.03
